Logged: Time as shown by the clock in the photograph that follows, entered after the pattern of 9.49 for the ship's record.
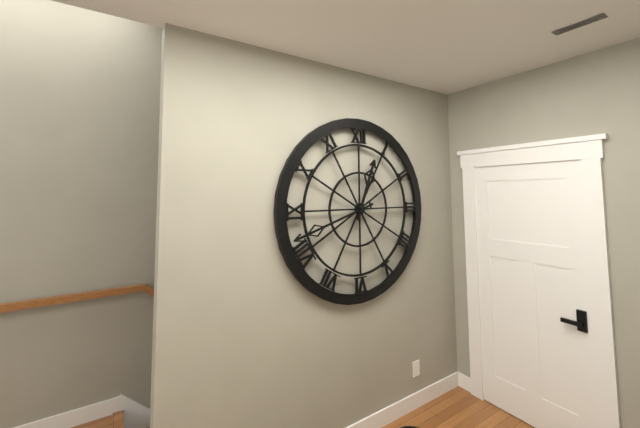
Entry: 12.42
